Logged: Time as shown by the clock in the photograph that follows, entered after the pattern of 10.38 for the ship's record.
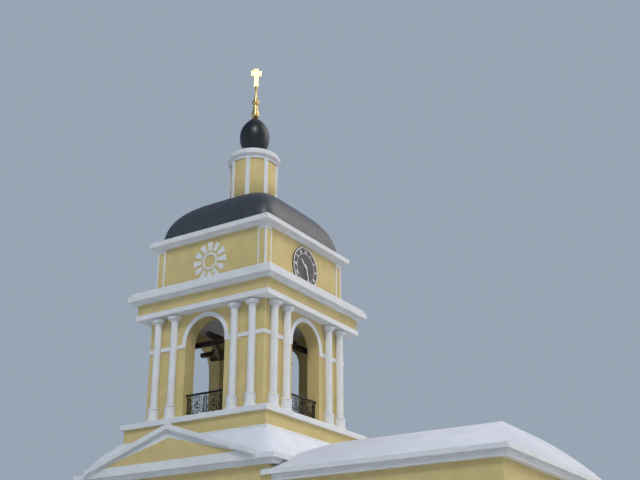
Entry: 10.27
